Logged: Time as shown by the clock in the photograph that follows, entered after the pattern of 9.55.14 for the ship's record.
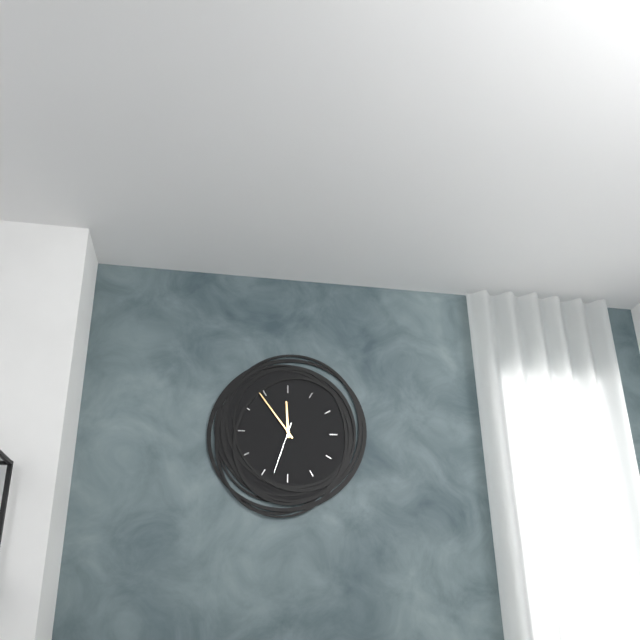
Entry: 11.54.33
